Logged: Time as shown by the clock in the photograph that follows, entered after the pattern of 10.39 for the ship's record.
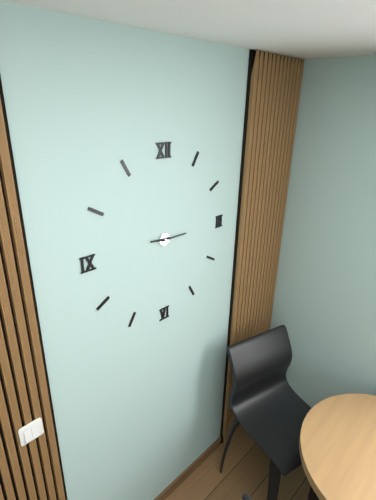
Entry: 9.15
